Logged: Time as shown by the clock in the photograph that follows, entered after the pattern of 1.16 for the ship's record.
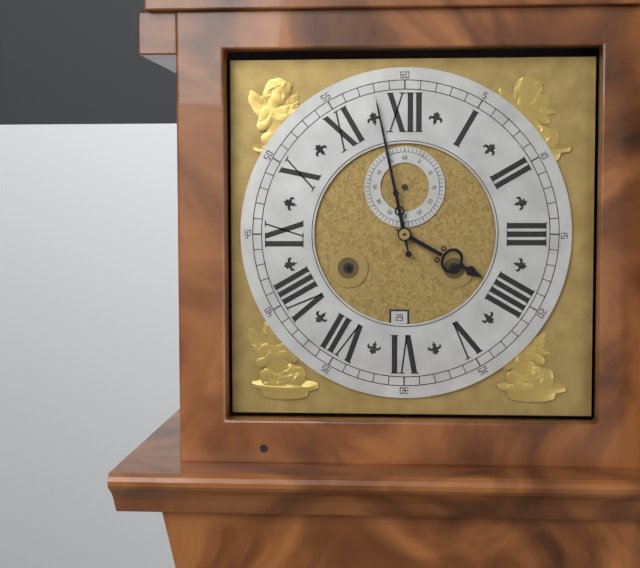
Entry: 3.58
